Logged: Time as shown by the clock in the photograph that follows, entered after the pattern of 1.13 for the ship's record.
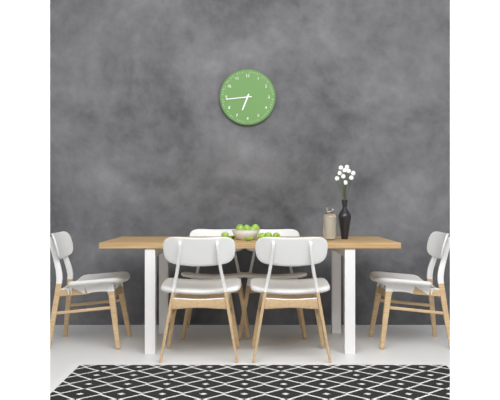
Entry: 6.44
